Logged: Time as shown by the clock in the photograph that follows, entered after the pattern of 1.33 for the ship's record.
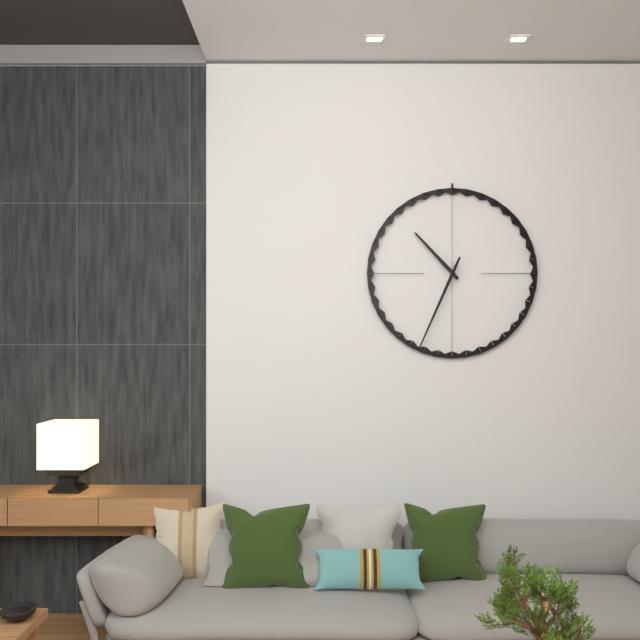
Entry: 10.34
